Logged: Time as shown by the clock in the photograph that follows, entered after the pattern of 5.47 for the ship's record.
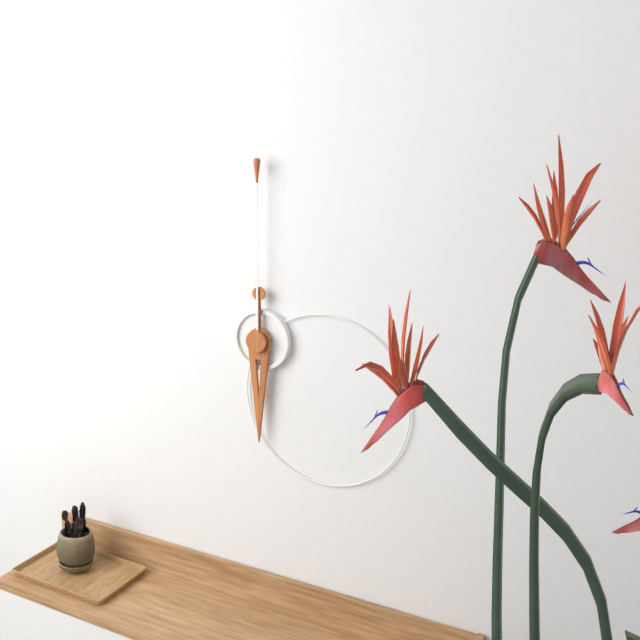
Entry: 6.00
